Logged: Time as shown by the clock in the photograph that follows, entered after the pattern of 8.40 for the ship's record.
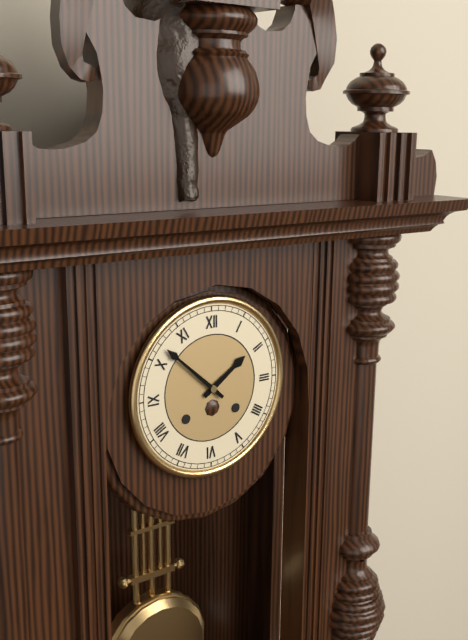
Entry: 1.52
